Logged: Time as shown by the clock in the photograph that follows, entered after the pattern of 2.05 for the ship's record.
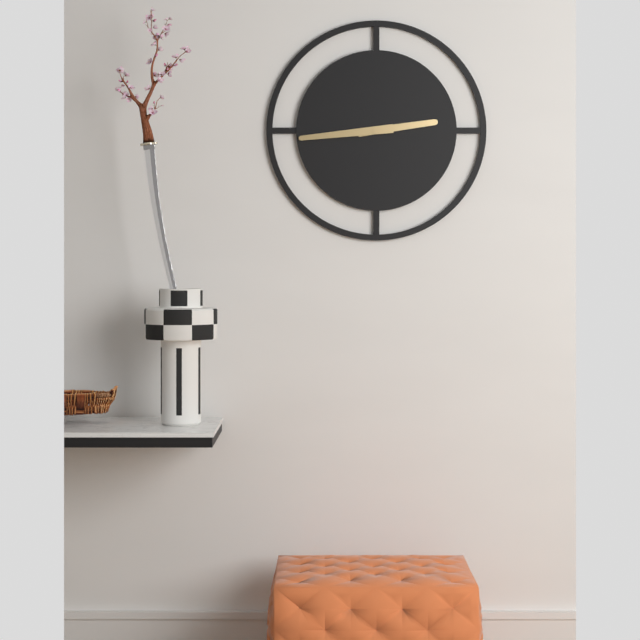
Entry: 2.44
